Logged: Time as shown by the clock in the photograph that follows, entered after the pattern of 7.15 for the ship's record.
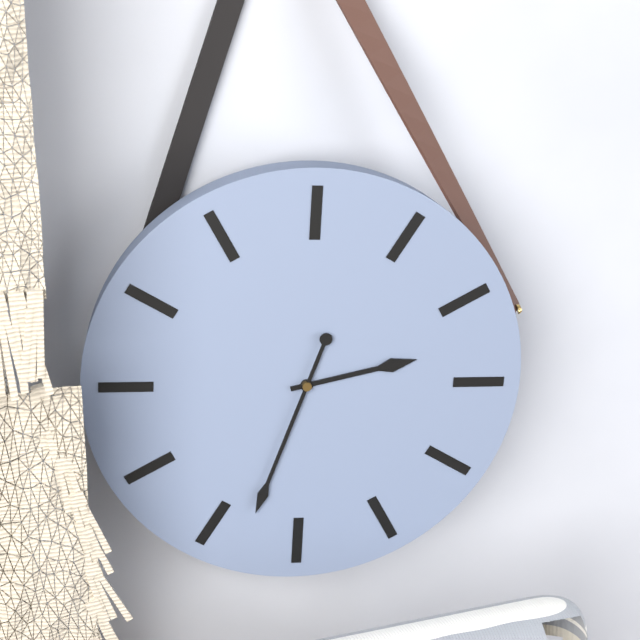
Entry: 2.33
